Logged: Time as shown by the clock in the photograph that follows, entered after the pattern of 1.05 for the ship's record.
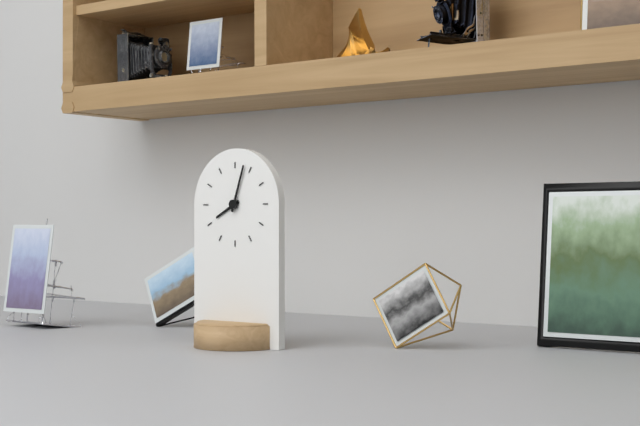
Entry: 8.03
